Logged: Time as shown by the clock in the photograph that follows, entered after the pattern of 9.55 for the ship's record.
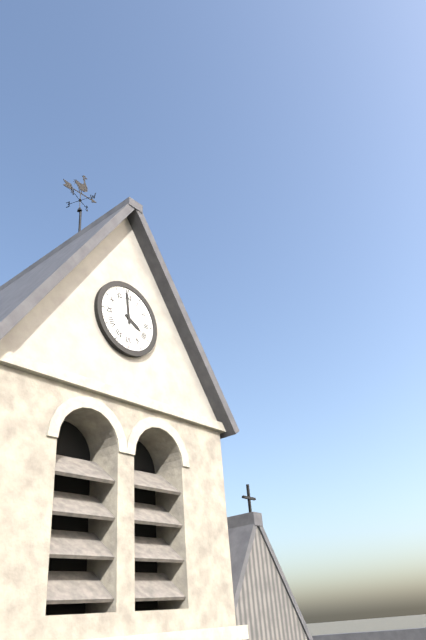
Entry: 3.59
